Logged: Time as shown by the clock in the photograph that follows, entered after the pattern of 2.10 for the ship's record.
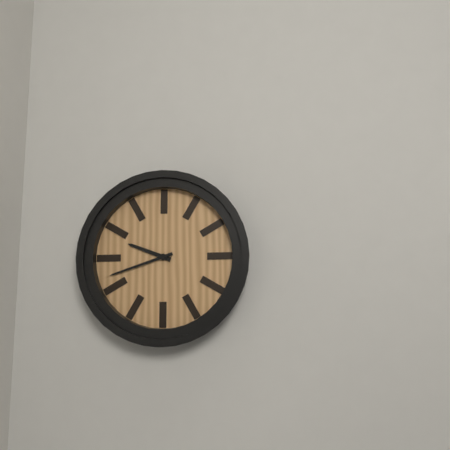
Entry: 9.42
